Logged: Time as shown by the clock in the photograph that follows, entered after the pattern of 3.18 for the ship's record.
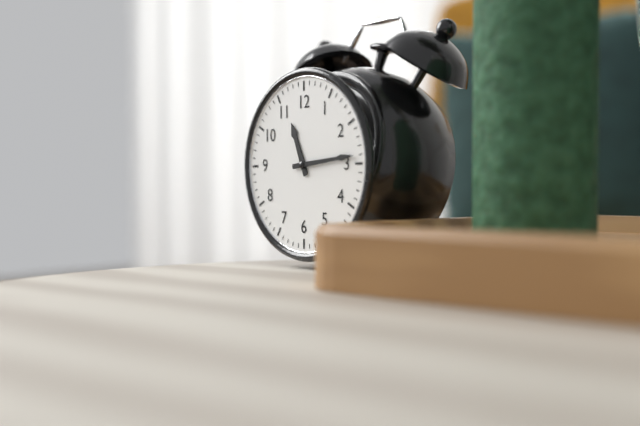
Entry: 11.14
